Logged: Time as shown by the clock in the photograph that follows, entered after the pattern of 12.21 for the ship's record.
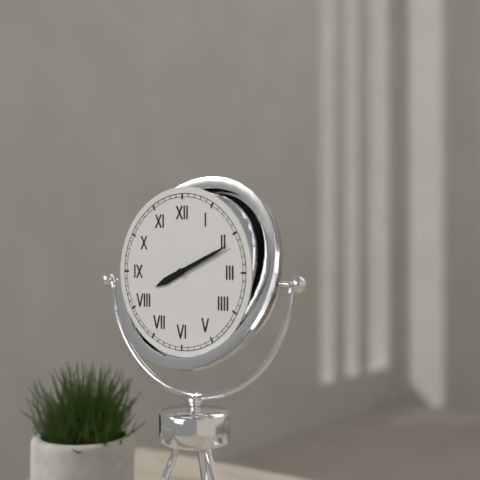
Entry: 8.11
